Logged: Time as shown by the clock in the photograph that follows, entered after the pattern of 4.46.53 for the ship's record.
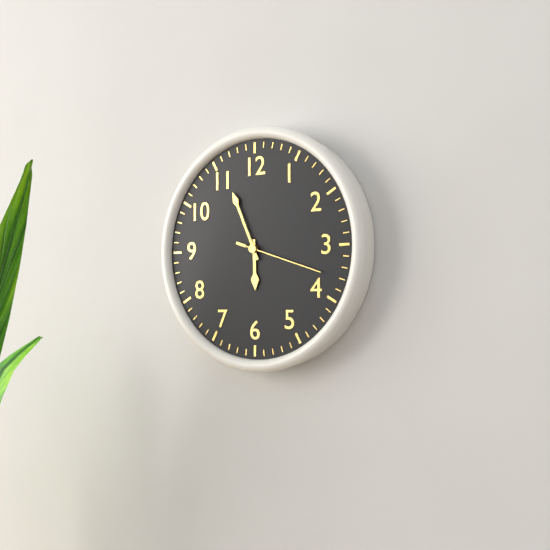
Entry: 5.56.18
